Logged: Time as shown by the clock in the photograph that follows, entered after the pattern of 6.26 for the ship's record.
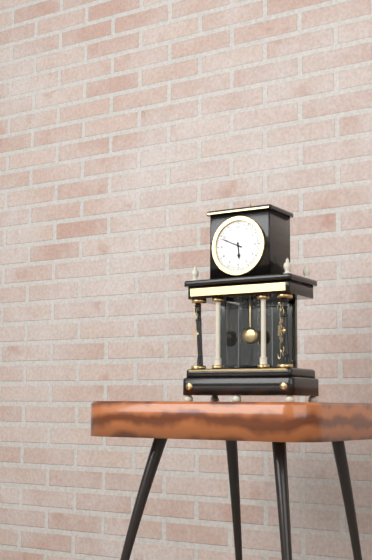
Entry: 5.49
